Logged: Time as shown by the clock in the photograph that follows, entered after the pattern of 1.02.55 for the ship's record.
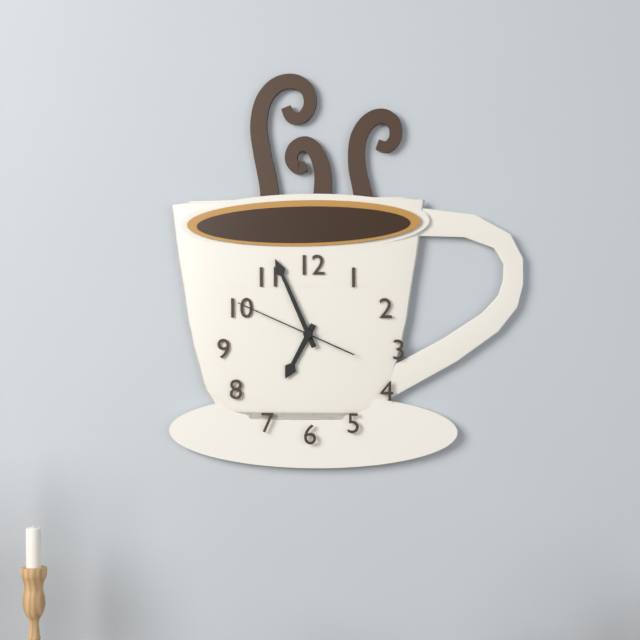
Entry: 6.56.49
